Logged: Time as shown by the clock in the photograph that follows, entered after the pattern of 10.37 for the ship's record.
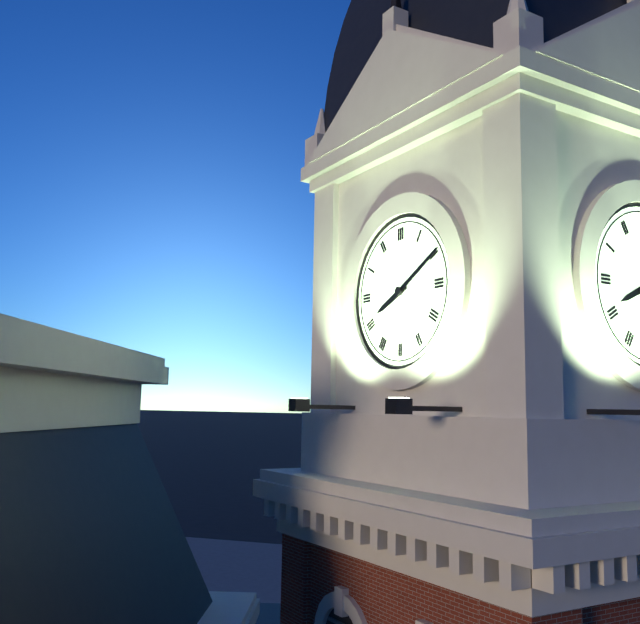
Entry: 8.10
